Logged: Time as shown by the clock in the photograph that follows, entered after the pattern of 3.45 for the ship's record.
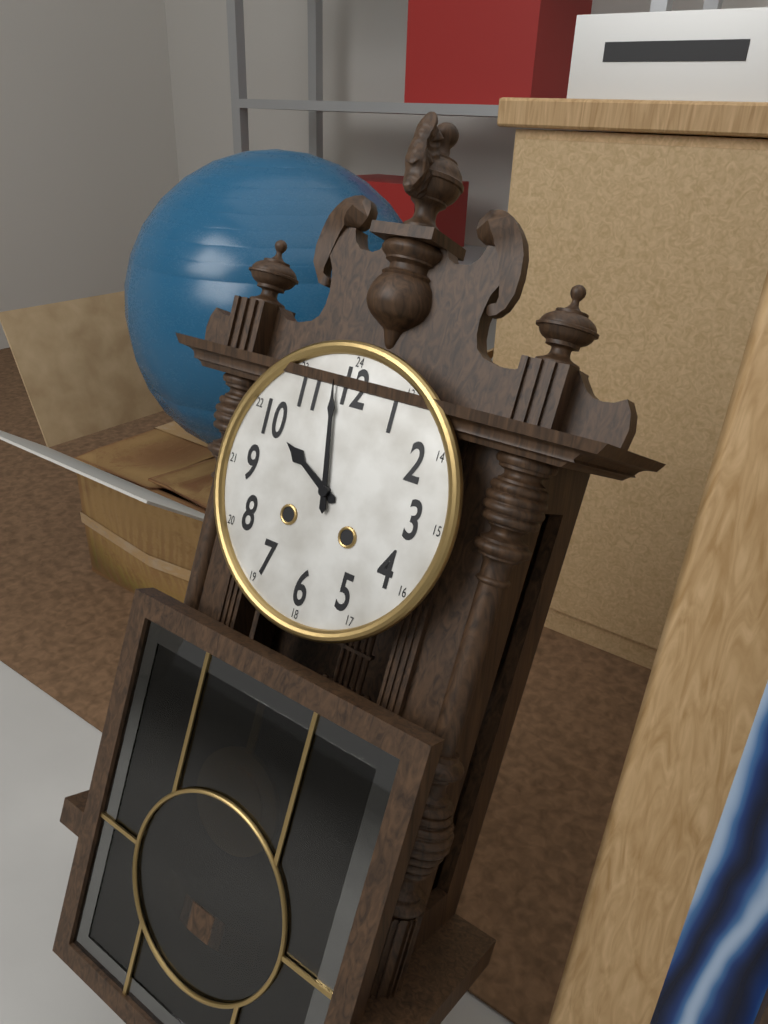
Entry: 9.58
